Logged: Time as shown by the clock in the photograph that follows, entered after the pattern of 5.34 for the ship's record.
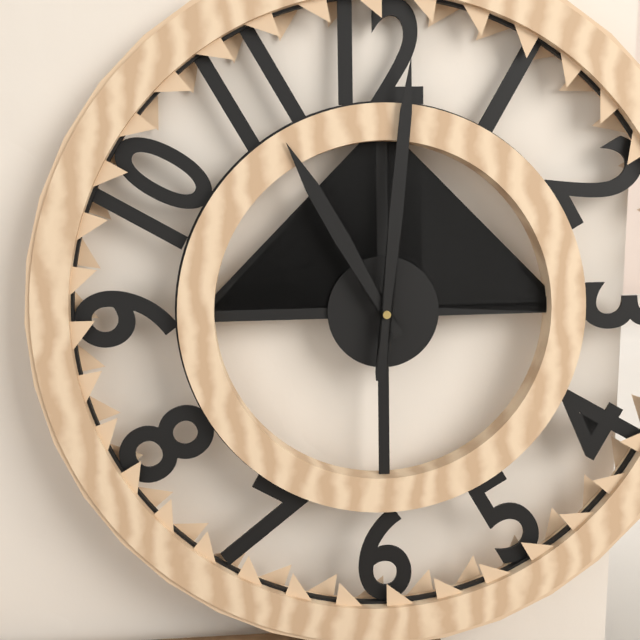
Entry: 11.01
